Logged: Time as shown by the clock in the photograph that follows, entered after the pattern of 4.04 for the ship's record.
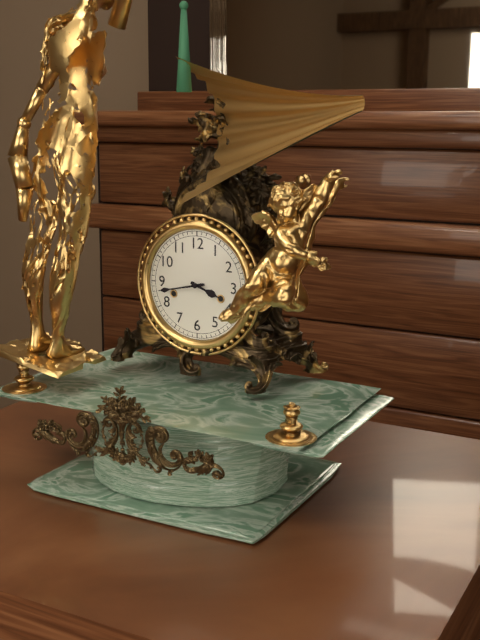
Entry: 3.43
